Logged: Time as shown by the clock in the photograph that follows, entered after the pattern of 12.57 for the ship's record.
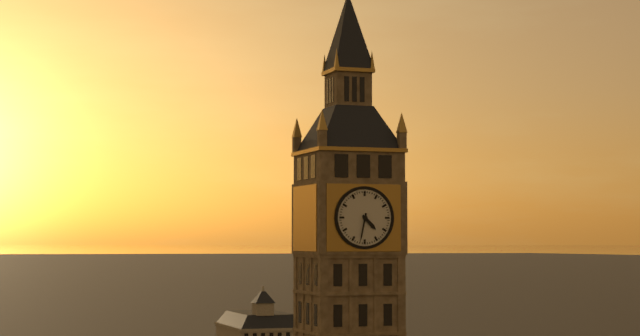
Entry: 4.32
